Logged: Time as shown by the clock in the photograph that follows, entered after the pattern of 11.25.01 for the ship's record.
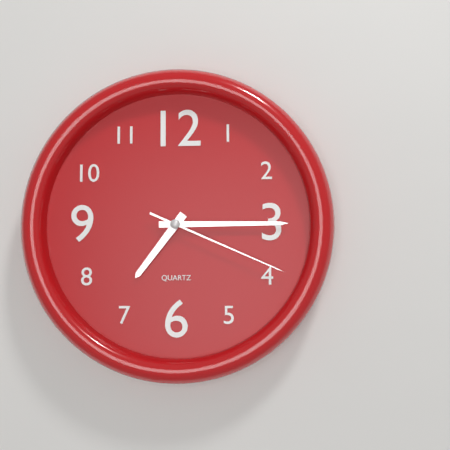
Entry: 7.15.19
